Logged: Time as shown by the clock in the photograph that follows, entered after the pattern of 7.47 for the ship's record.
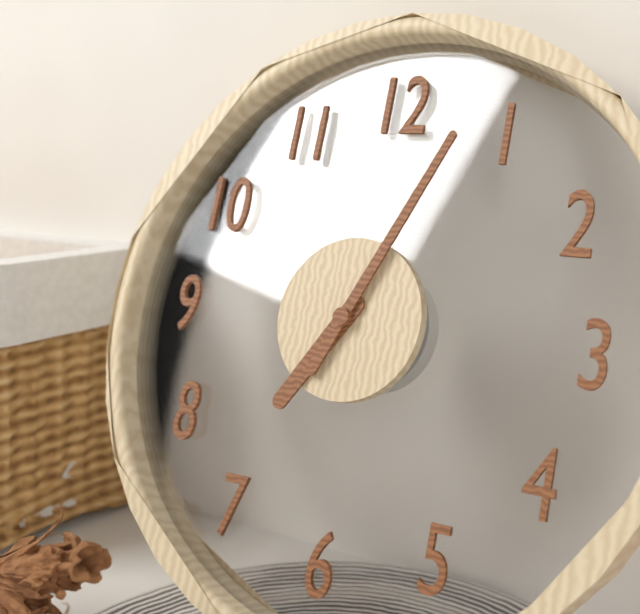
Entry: 7.04
